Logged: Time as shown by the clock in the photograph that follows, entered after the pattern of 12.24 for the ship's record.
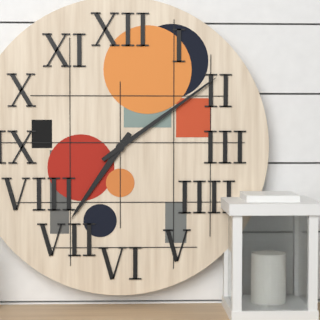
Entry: 7.09
